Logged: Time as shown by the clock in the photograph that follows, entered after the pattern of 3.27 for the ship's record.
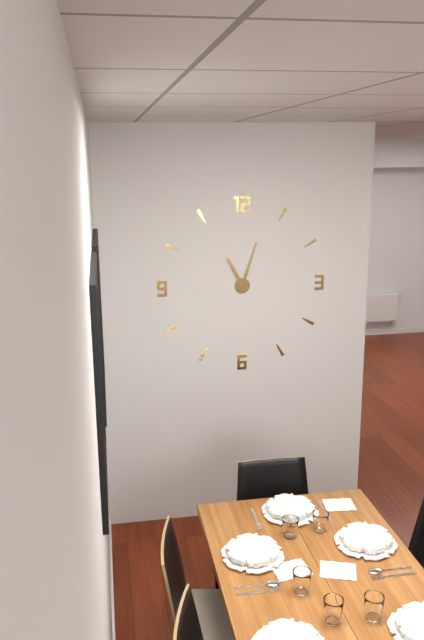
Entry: 11.03
